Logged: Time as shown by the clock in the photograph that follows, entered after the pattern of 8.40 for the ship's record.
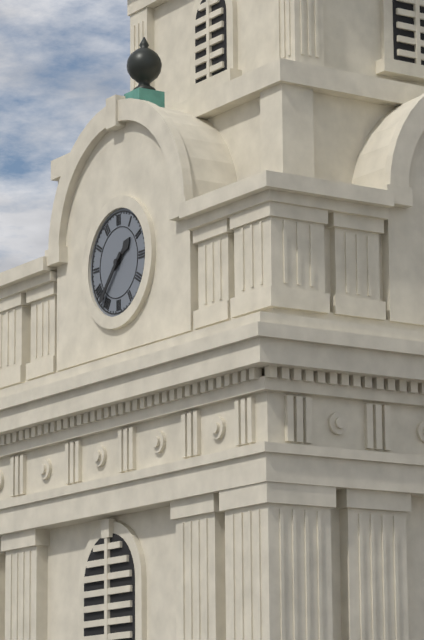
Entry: 1.37
